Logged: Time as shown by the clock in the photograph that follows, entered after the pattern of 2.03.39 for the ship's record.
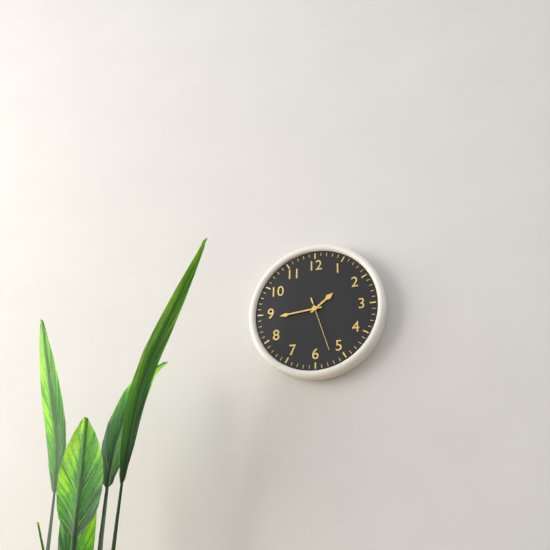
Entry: 1.44.27
